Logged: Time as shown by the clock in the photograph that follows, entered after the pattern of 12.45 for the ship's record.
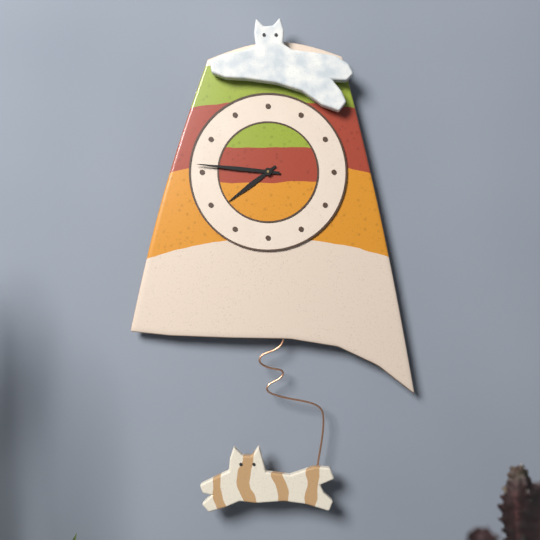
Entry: 7.46
